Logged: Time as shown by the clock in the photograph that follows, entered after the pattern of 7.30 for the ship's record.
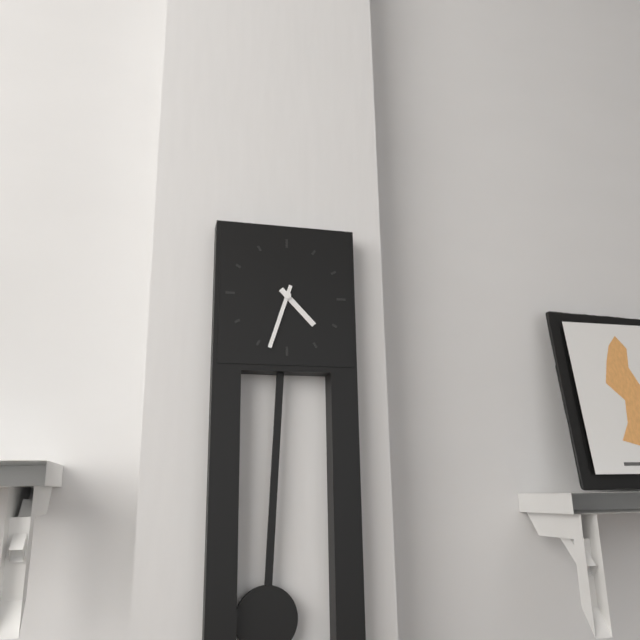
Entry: 4.33
